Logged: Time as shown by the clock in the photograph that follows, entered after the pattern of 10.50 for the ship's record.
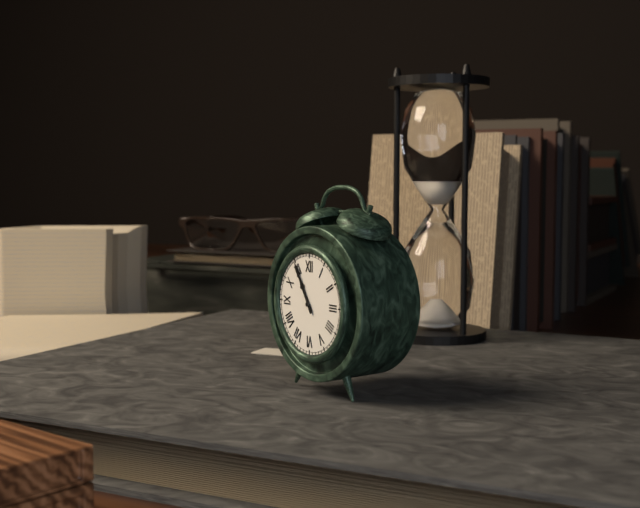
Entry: 10.55
